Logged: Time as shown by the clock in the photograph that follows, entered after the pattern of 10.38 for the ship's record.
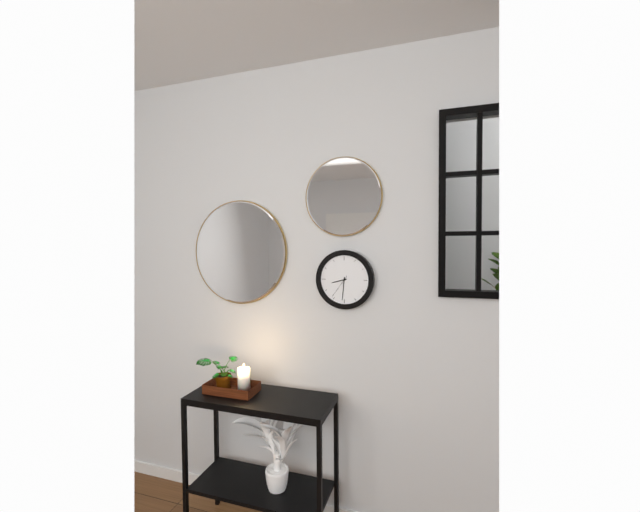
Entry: 8.31
